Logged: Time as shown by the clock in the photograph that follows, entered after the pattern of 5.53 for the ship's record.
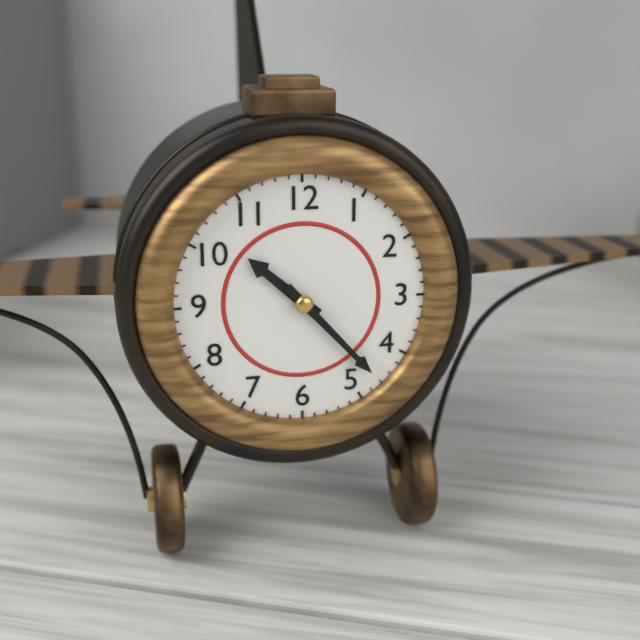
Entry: 10.23
